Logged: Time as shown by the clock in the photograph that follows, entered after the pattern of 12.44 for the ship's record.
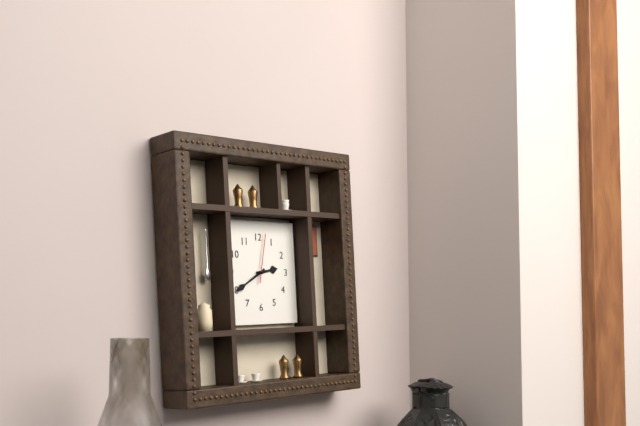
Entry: 2.40
